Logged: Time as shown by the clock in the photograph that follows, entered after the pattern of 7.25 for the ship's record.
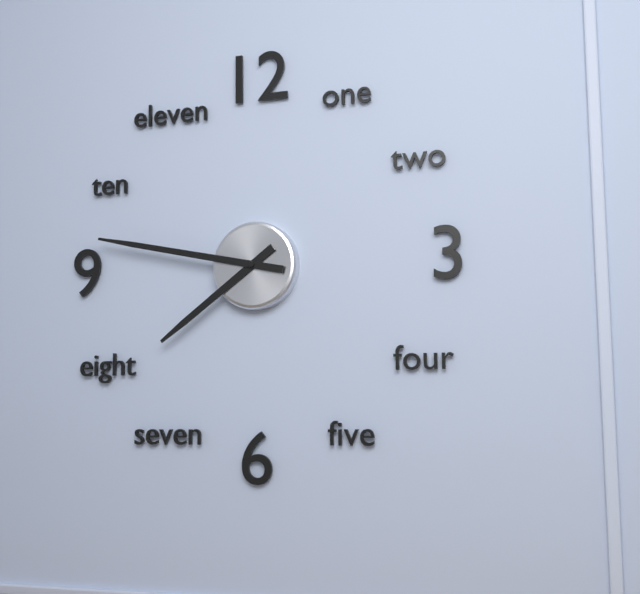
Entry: 7.47
